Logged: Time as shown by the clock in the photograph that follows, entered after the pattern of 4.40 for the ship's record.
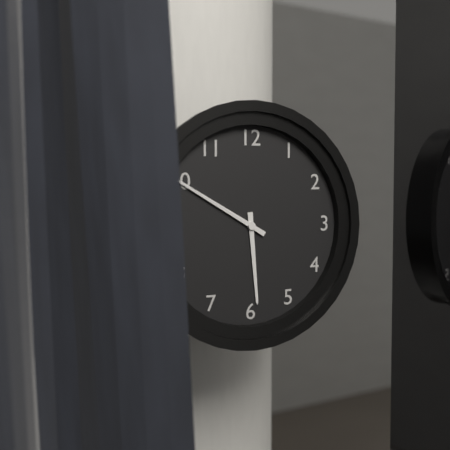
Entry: 5.50
